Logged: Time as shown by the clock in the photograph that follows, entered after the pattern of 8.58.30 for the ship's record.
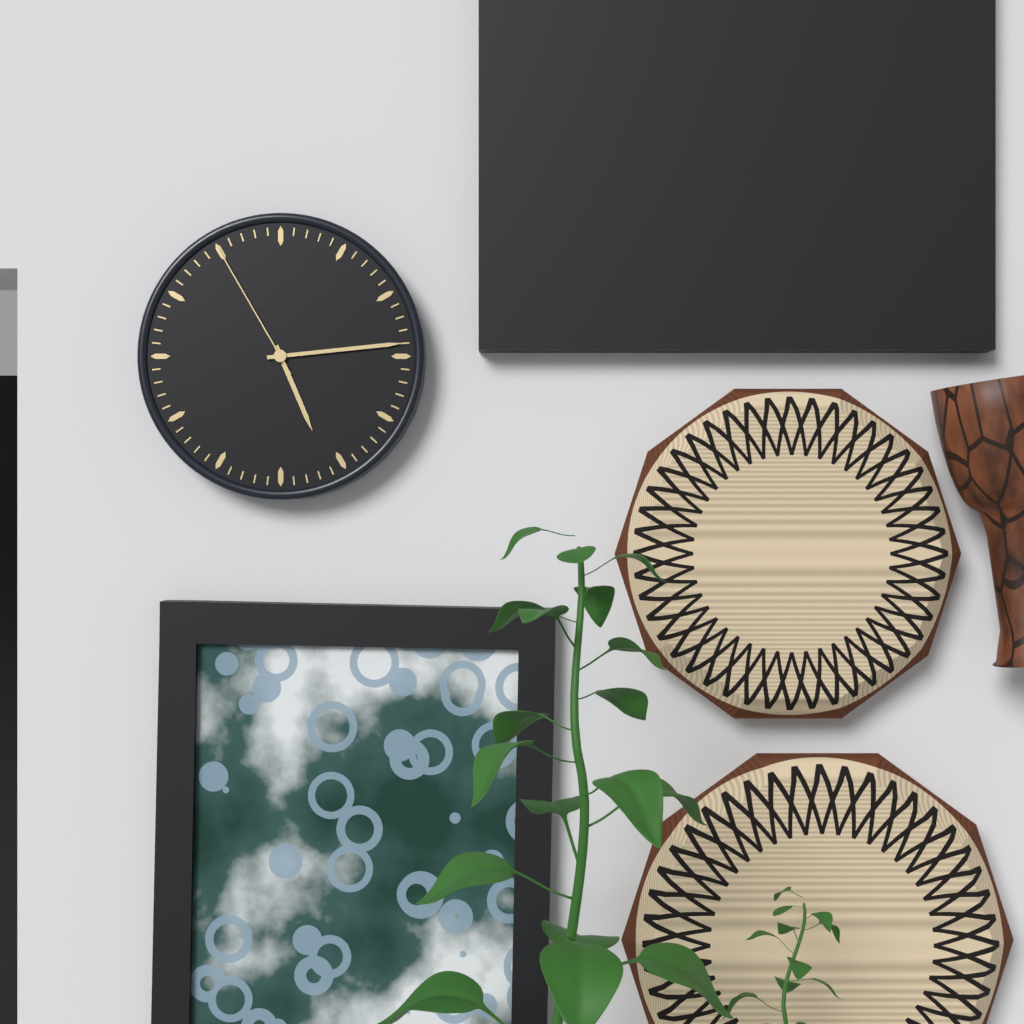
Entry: 5.14.55
